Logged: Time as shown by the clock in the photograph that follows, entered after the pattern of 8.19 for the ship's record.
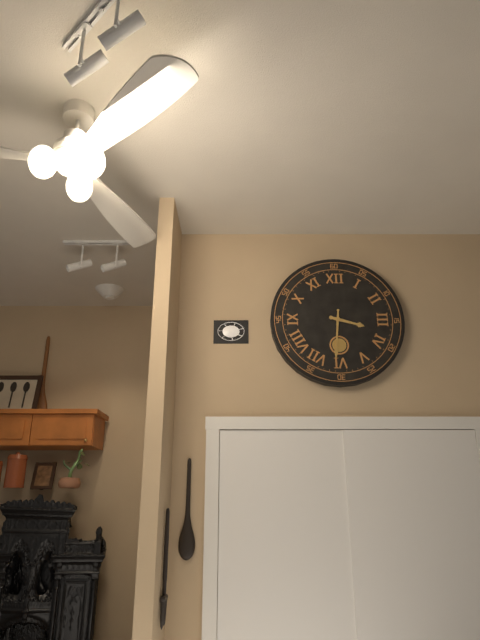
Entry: 3.31
